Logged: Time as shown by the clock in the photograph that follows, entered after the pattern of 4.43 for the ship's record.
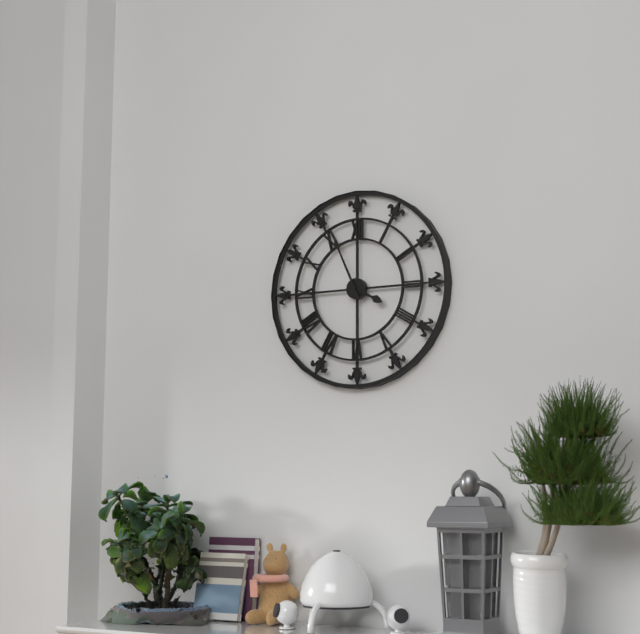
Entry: 3.56
